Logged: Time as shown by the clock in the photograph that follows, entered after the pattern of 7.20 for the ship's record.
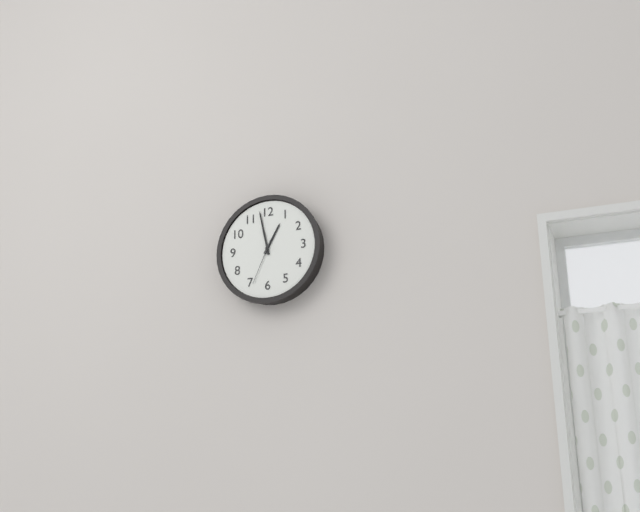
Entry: 12.58
